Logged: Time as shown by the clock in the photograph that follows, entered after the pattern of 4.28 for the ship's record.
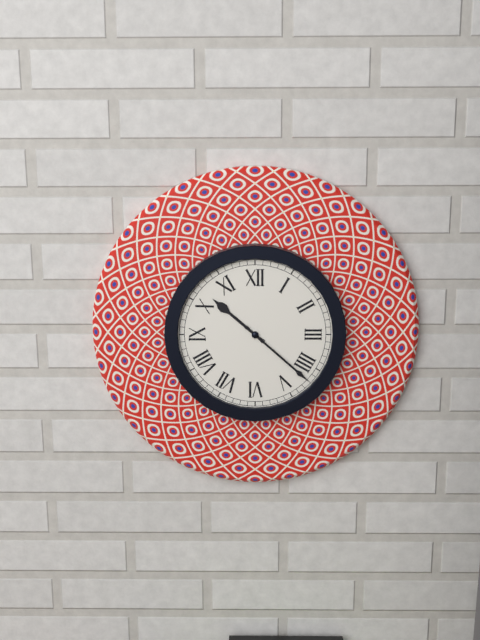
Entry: 10.22
